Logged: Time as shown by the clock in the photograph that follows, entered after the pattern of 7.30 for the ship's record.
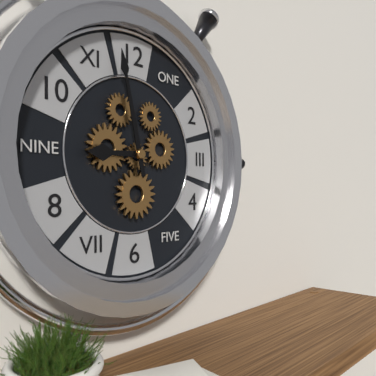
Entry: 8.58
